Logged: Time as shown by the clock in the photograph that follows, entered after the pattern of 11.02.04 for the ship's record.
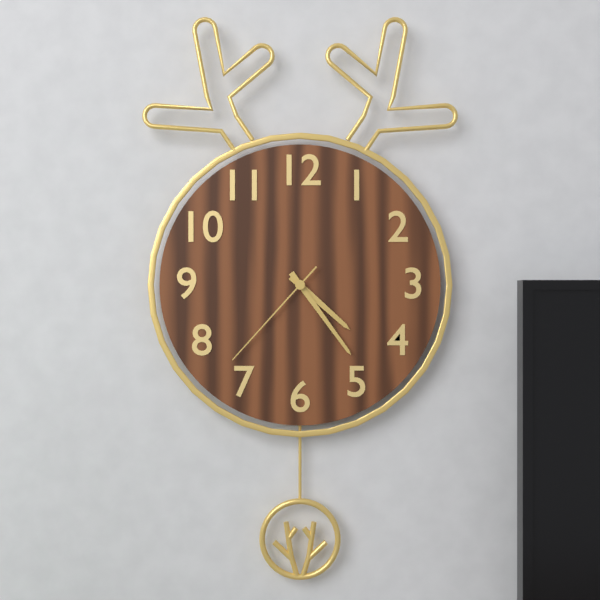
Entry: 4.24.37
